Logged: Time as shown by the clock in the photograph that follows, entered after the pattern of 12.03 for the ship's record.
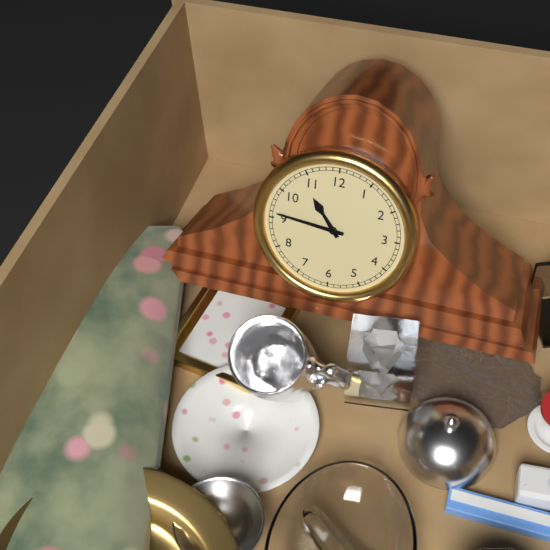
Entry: 10.46
